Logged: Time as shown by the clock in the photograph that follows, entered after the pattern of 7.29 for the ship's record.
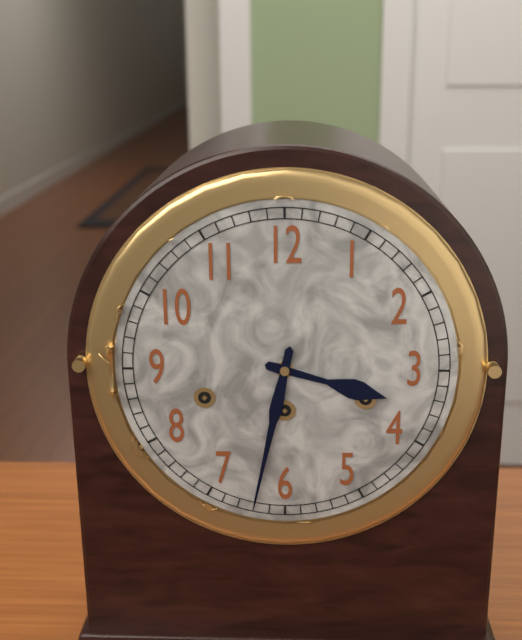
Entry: 3.32
